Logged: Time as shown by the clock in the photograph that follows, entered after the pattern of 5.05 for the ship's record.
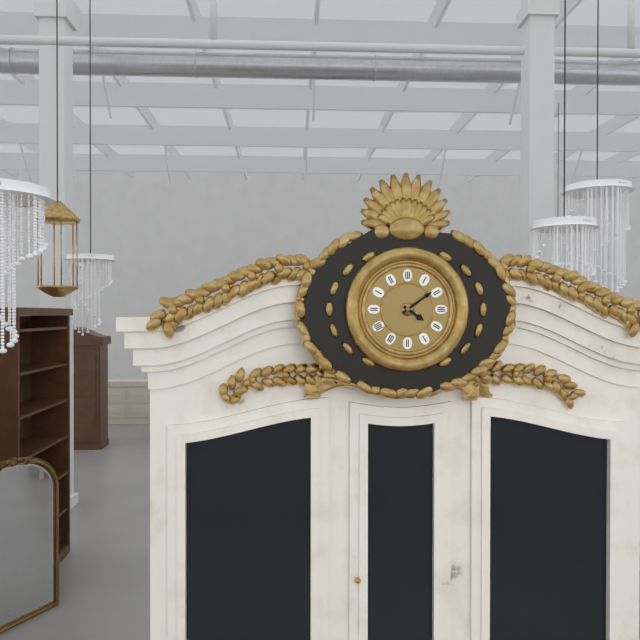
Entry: 4.09
